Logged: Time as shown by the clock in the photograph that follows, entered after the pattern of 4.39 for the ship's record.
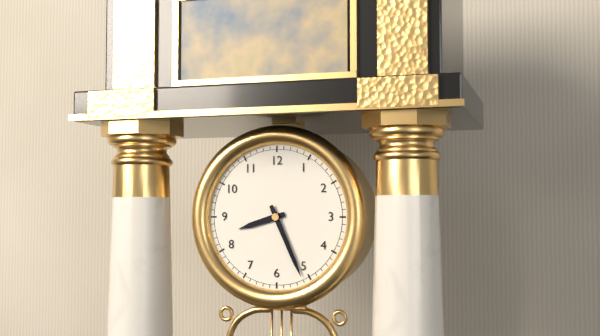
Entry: 8.26
